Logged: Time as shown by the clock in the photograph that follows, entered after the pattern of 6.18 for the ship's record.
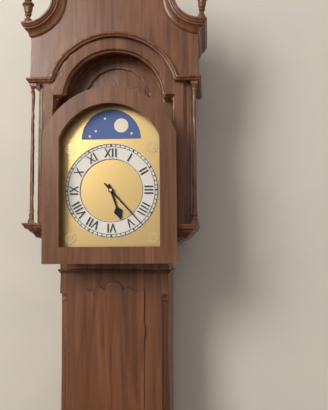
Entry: 5.23
